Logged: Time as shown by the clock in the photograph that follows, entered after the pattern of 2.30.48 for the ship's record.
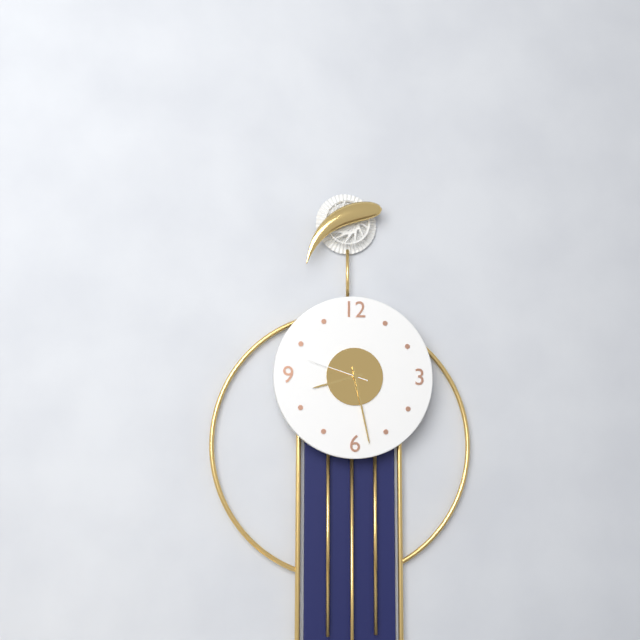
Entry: 8.28.48
